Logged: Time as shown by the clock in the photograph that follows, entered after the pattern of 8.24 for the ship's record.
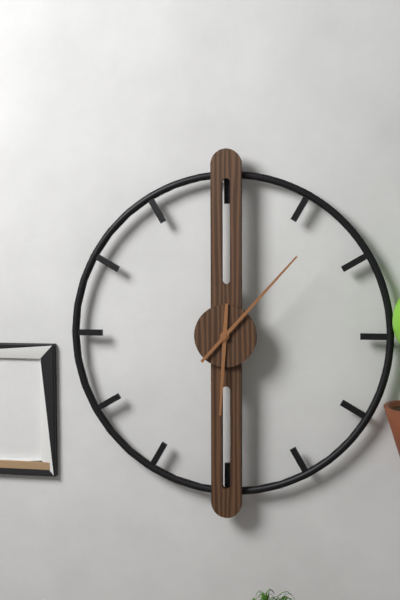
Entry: 6.07
